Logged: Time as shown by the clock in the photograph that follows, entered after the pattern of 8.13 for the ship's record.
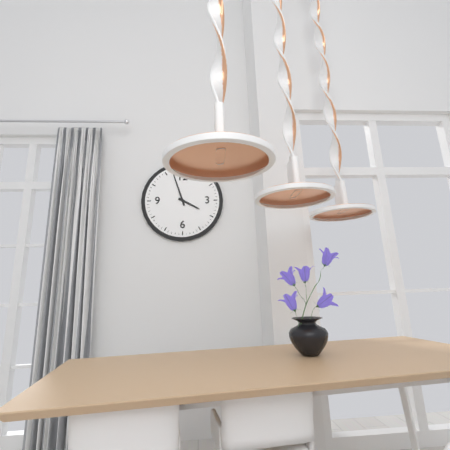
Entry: 3.57
